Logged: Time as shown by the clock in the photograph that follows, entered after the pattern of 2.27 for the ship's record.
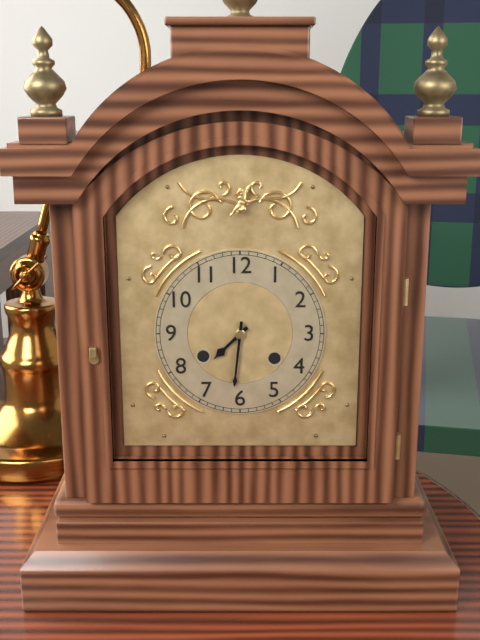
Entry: 7.31
